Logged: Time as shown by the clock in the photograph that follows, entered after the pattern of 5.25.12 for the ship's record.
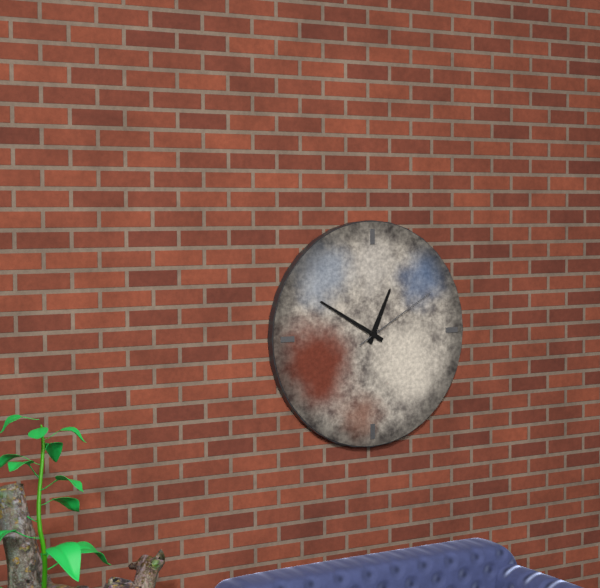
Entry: 12.50.10
